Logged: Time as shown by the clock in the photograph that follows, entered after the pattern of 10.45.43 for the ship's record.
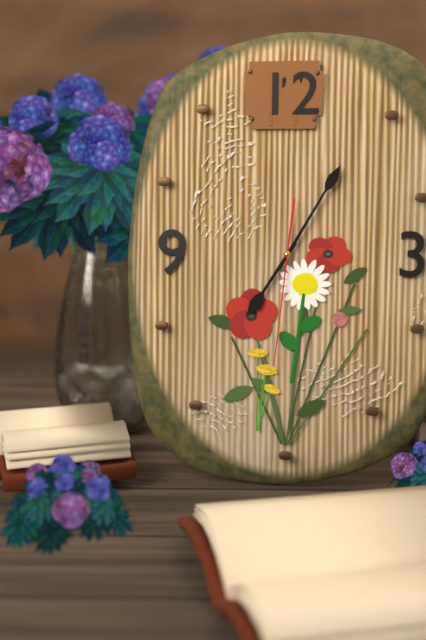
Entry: 7.05.31
